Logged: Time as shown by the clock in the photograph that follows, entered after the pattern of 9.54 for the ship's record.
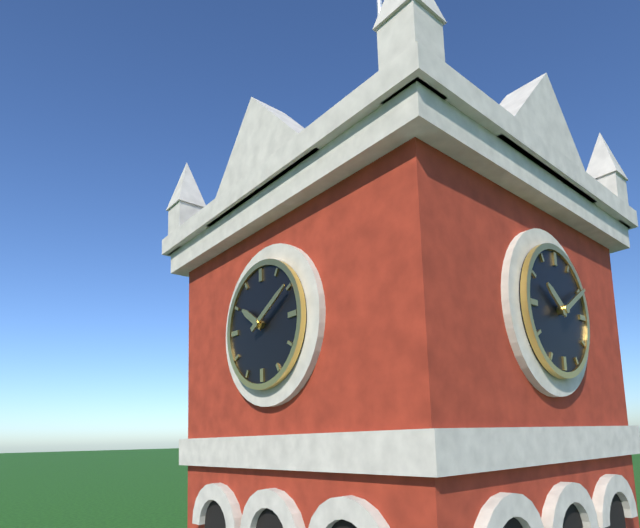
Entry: 10.10
